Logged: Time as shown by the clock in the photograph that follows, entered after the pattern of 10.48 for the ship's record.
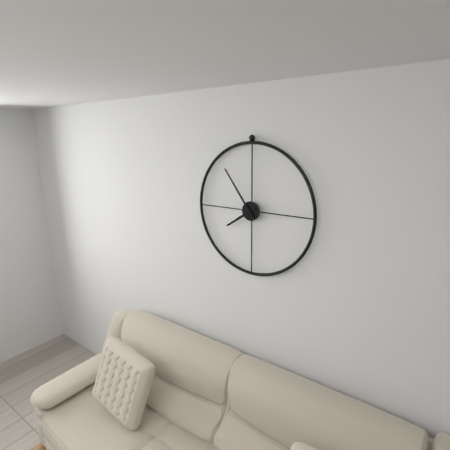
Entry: 7.54
